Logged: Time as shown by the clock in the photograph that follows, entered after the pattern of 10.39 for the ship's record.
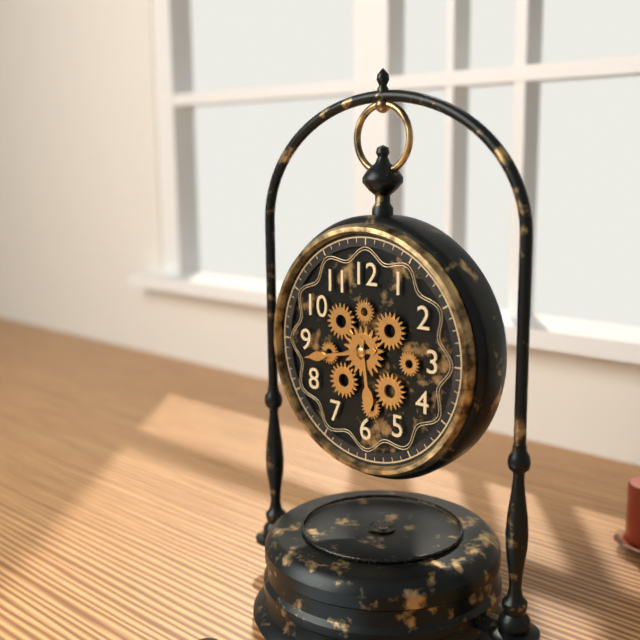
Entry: 5.43
